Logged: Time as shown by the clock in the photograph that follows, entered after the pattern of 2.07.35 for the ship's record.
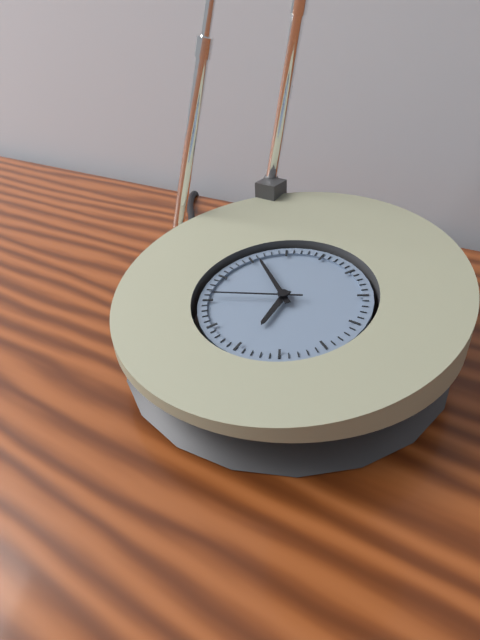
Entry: 5.51.41
